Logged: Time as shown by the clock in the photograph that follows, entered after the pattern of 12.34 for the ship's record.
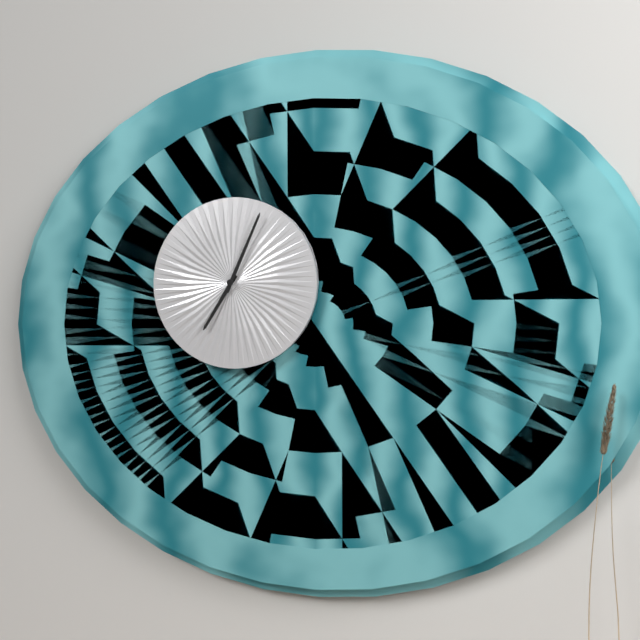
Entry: 7.04
